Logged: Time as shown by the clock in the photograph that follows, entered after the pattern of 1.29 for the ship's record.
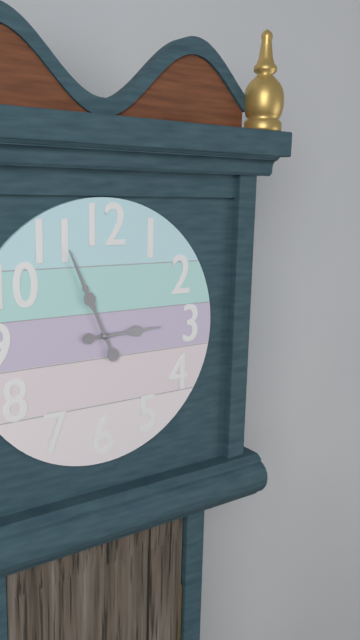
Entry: 2.56
